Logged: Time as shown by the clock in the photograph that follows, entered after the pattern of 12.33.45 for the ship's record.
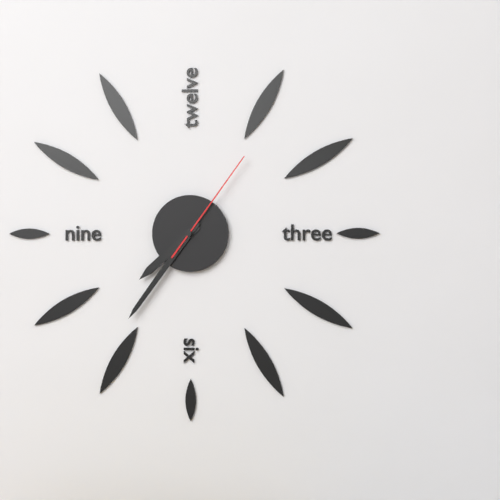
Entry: 7.36.06
